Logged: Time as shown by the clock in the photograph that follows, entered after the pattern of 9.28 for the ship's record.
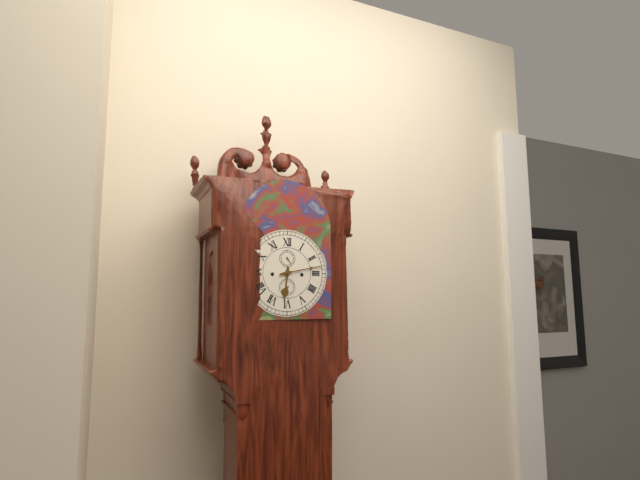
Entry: 6.13
